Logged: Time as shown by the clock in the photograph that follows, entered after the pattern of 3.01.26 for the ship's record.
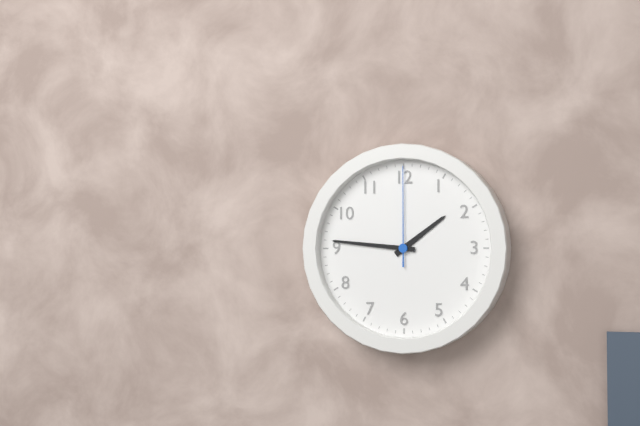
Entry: 1.46.00
